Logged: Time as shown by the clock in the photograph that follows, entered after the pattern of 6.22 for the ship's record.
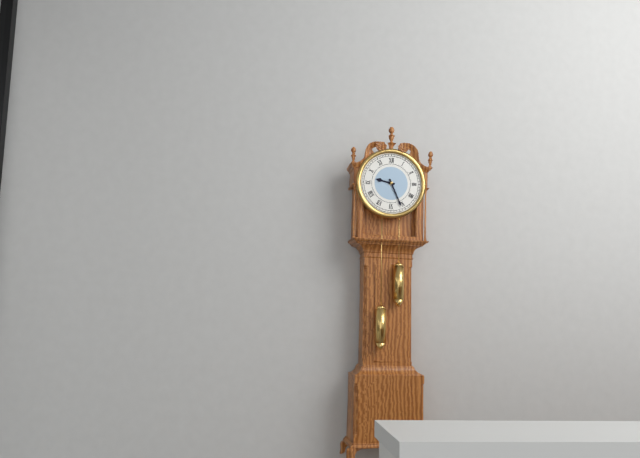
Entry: 9.26
